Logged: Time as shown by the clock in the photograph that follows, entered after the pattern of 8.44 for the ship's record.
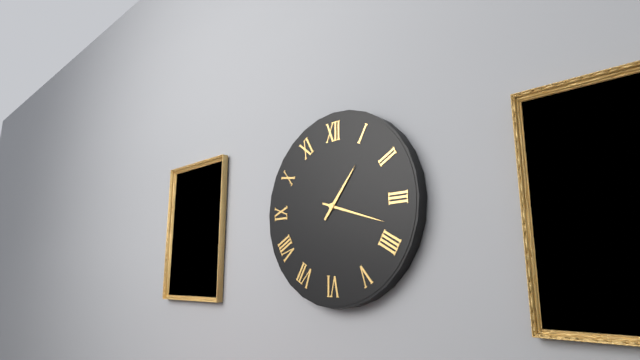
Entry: 1.18
